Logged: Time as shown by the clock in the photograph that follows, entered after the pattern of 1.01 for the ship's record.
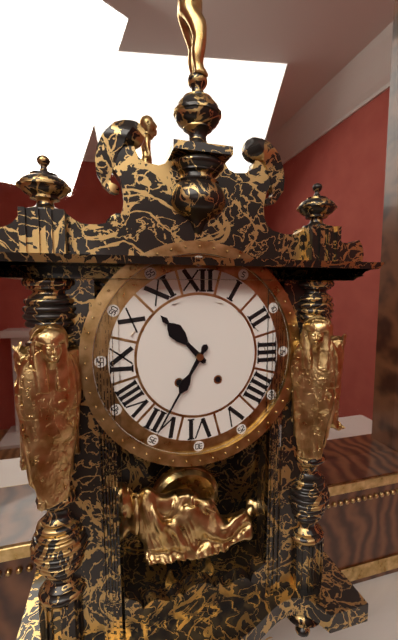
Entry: 10.35
